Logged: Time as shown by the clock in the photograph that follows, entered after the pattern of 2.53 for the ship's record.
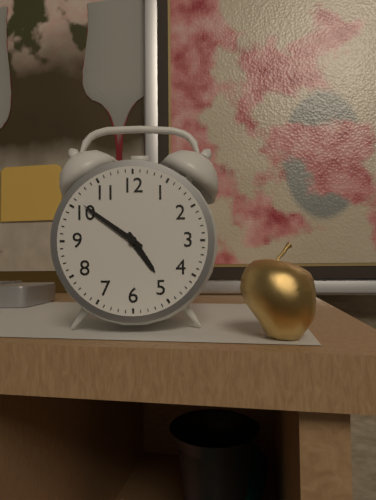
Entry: 4.51
